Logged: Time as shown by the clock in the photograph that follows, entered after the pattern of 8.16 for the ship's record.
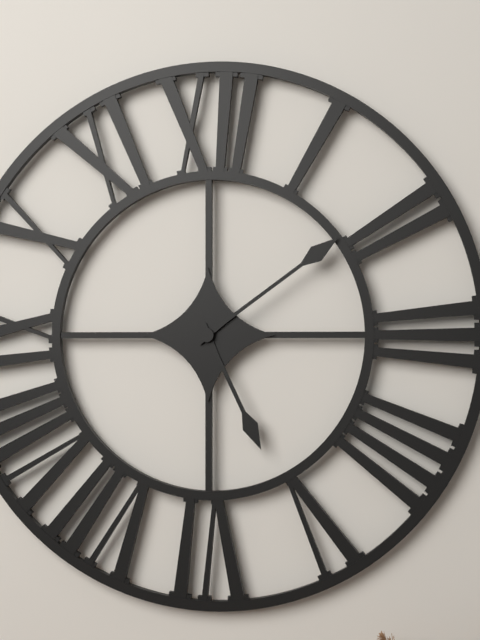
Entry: 5.09
